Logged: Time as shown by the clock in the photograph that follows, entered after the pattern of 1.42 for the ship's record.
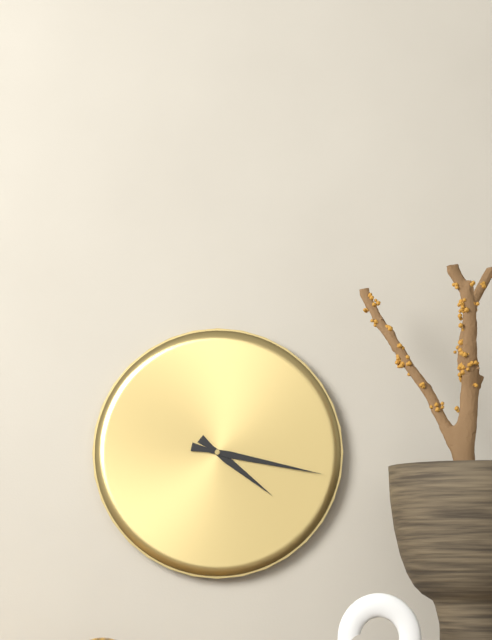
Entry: 4.17
